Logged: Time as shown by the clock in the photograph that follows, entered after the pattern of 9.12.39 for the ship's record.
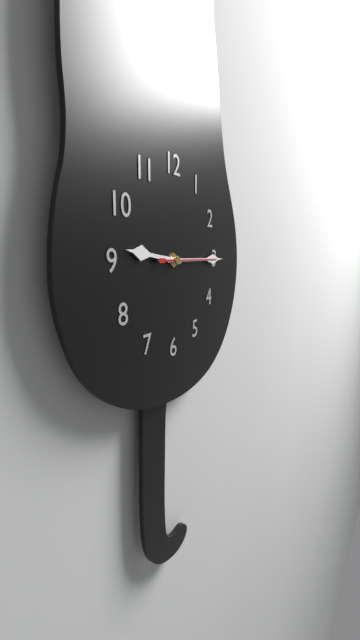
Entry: 9.15.15
